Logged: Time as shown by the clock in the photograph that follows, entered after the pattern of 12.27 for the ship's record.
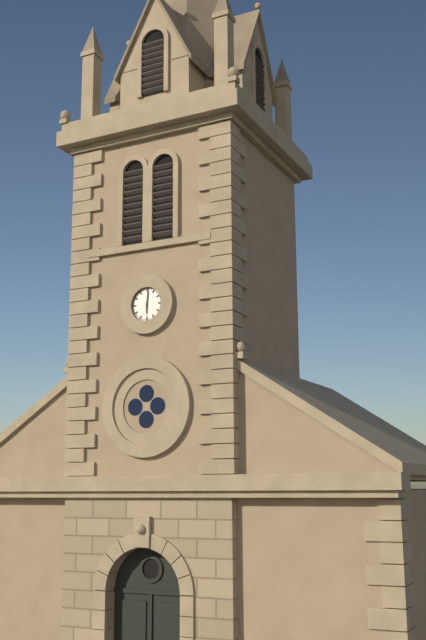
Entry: 6.01
